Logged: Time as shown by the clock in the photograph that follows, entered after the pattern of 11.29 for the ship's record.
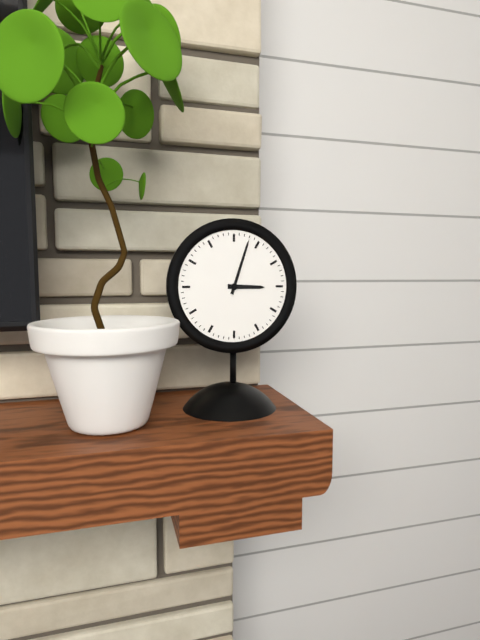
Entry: 3.03
